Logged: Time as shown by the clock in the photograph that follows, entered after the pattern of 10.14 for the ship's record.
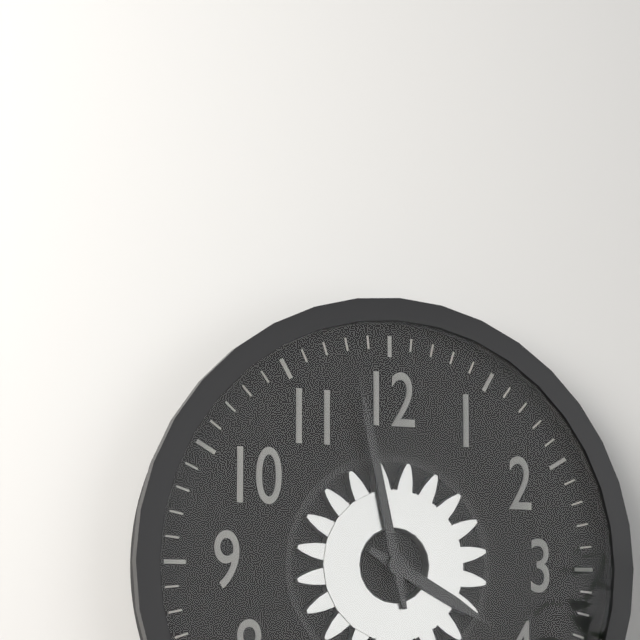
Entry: 3.58
